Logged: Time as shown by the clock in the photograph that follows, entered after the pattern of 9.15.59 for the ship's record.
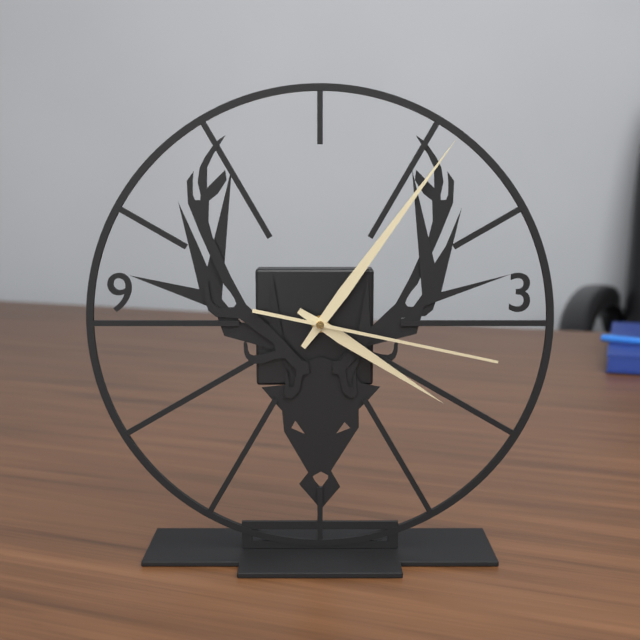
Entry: 4.06.17
